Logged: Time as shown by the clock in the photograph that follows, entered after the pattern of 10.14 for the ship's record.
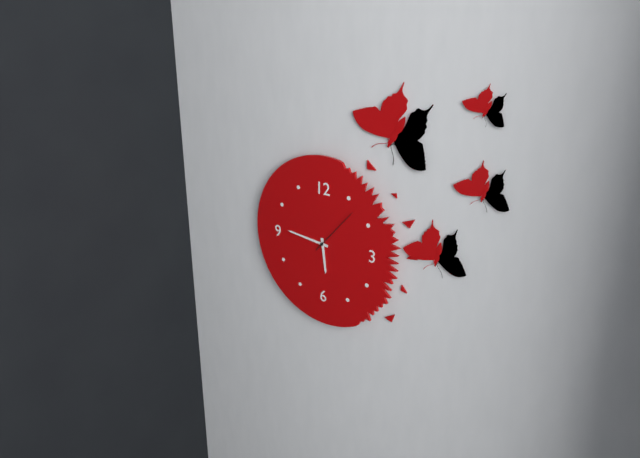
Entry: 5.46
